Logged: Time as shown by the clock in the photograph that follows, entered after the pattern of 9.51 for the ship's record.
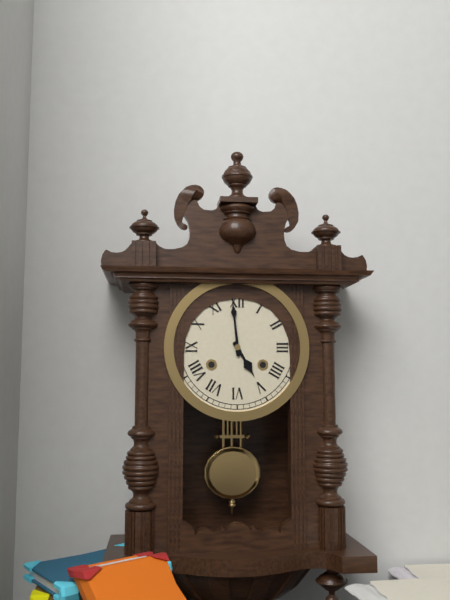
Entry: 4.59
